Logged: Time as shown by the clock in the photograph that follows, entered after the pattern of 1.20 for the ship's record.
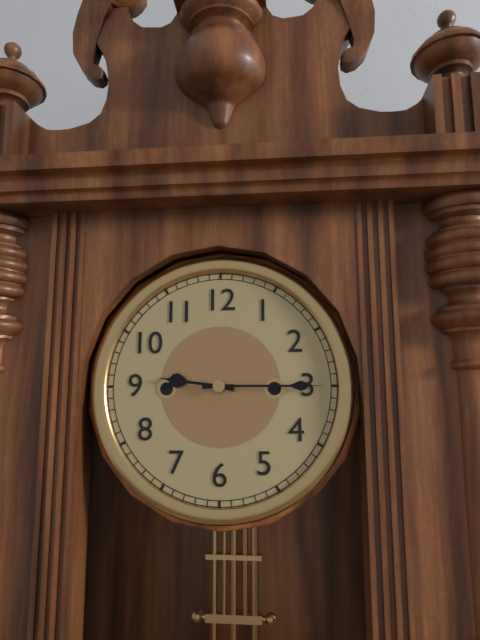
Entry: 9.15
